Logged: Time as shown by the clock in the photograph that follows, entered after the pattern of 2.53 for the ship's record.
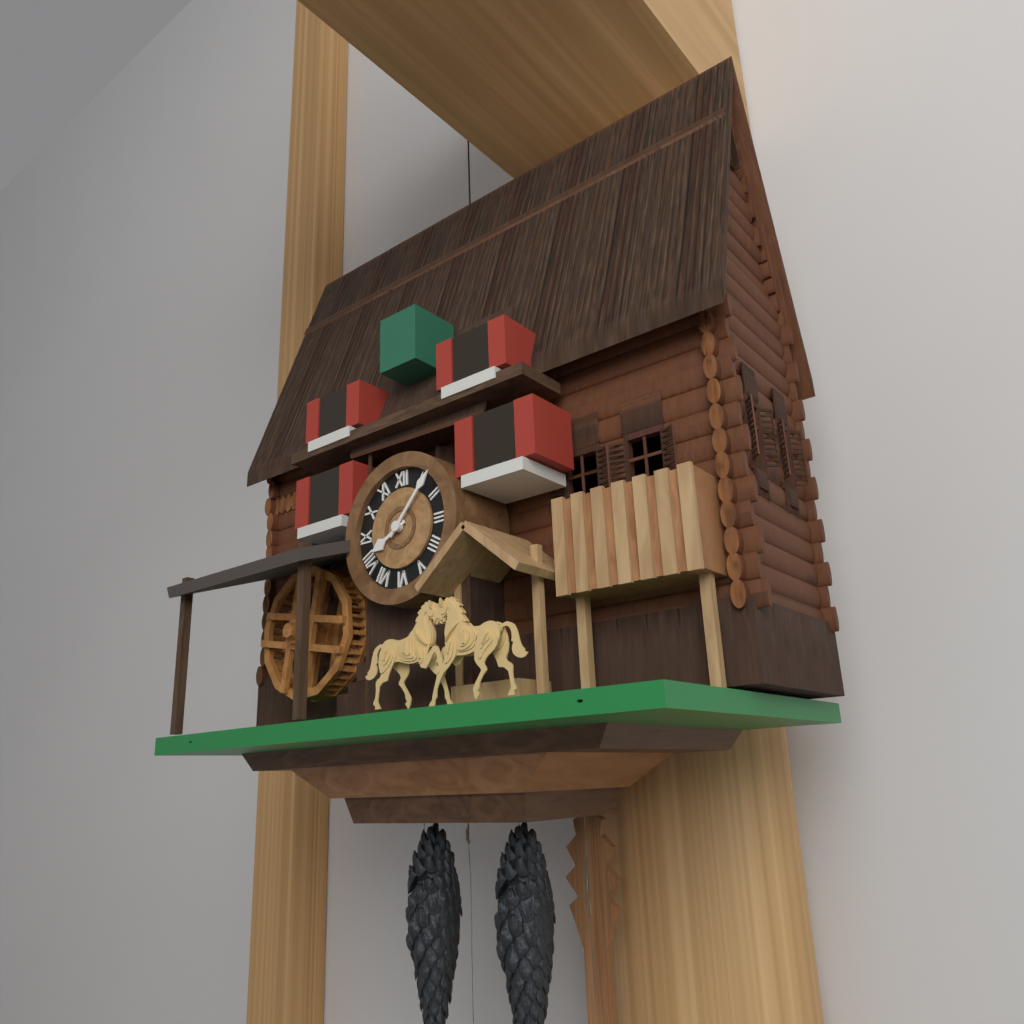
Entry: 8.07
